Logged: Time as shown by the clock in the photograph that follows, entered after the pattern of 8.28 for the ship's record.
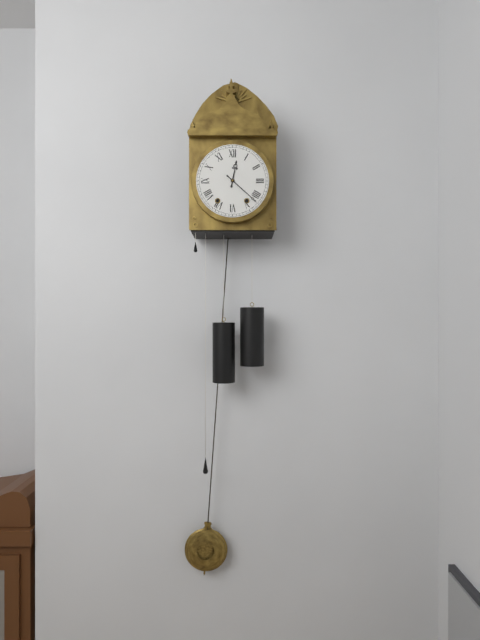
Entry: 12.22
